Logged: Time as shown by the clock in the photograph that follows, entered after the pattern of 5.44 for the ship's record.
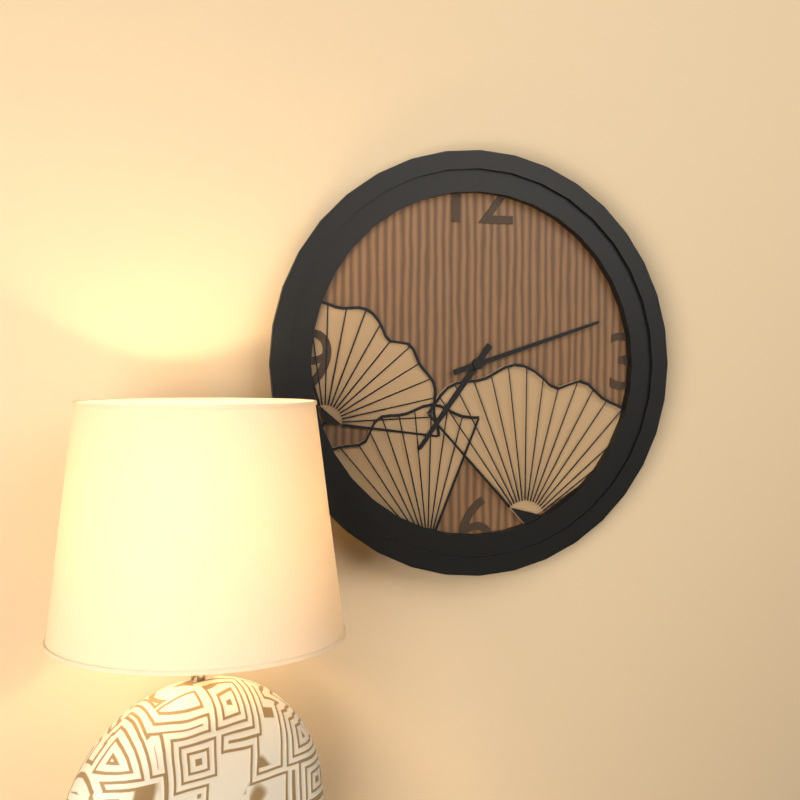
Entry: 7.12
